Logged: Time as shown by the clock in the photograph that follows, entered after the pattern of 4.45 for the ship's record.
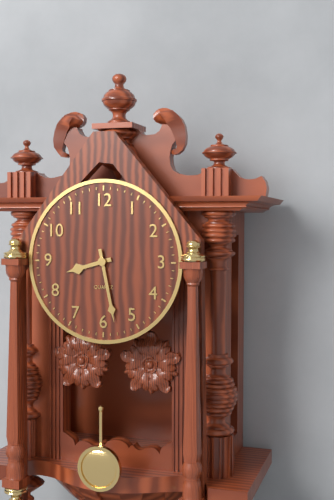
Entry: 8.28
